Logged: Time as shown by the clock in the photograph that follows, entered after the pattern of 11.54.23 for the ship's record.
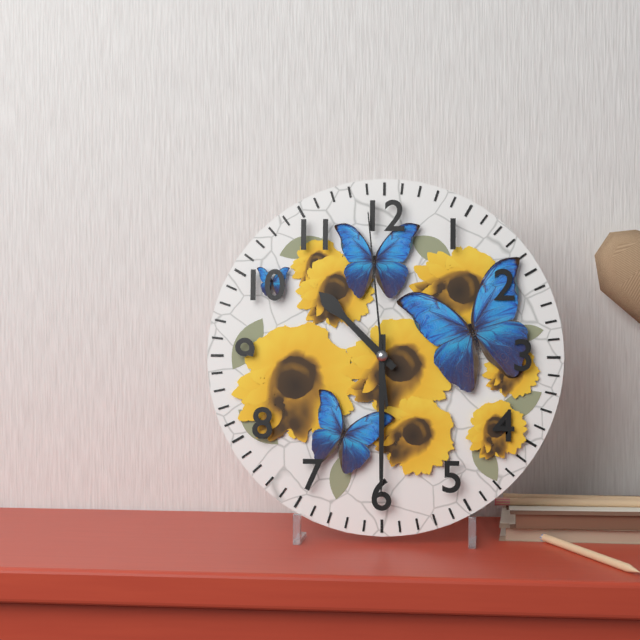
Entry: 10.30.59
